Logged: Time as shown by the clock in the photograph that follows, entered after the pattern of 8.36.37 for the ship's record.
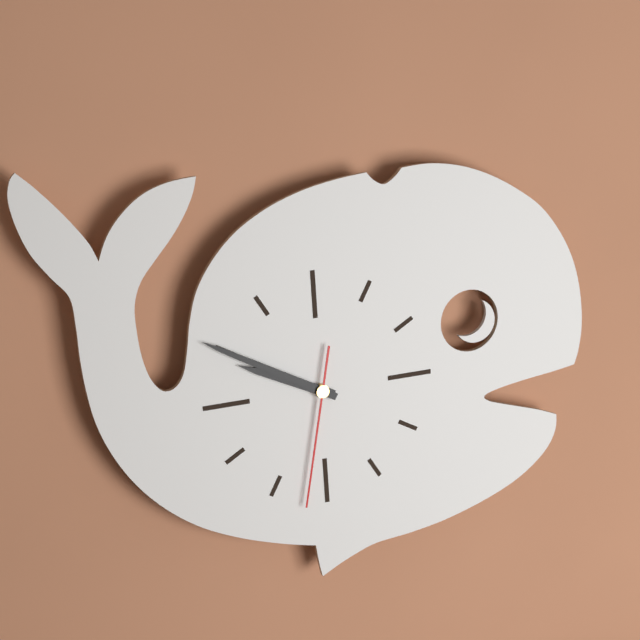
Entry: 9.50.32
